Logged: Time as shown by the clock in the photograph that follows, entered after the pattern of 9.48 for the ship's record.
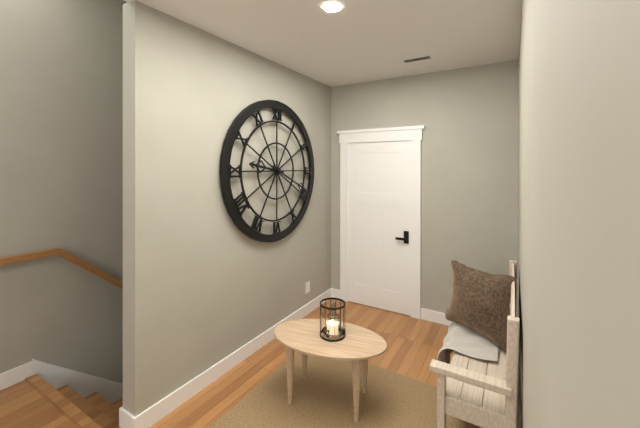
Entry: 9.19
